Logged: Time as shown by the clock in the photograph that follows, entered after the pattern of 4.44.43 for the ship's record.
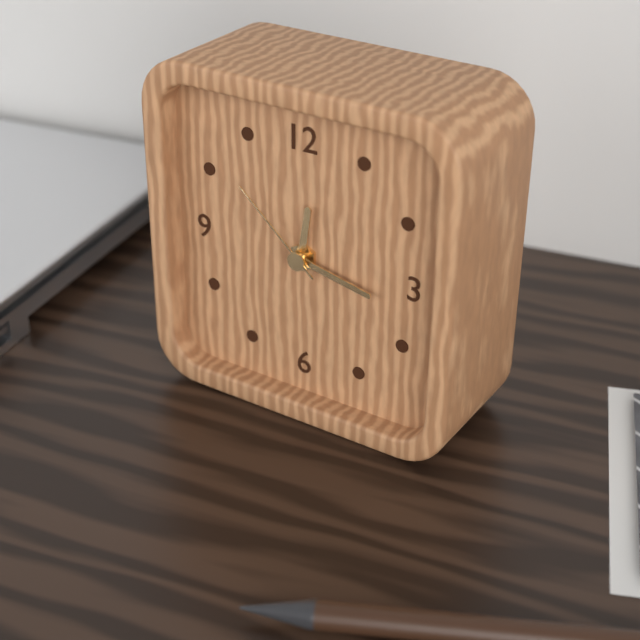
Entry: 12.17.52
